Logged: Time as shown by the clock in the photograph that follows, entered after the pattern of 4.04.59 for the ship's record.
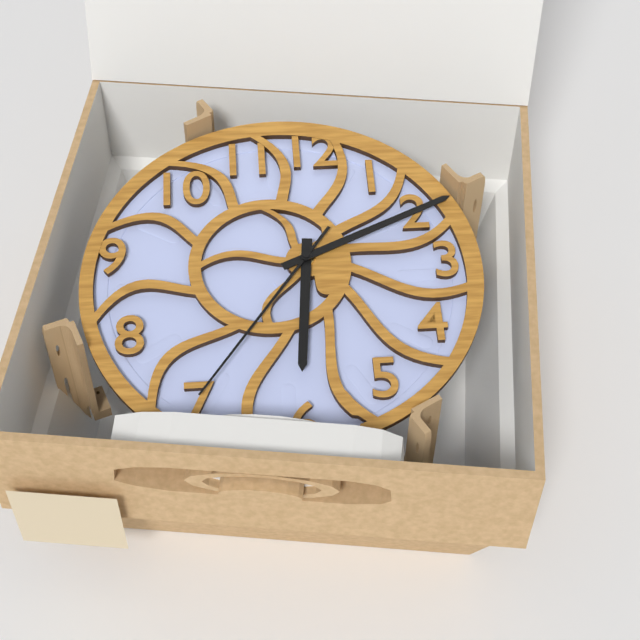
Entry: 6.11.36
